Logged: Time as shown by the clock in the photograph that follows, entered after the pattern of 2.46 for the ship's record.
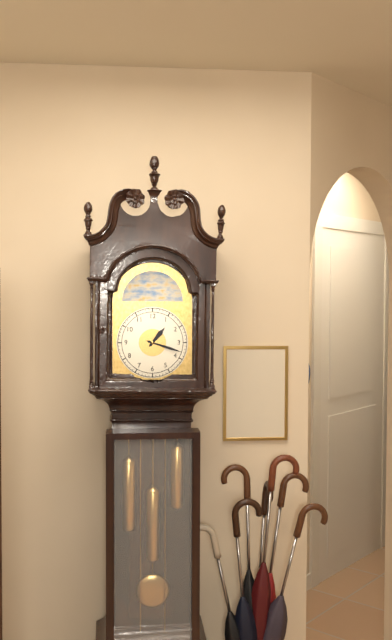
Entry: 1.18
